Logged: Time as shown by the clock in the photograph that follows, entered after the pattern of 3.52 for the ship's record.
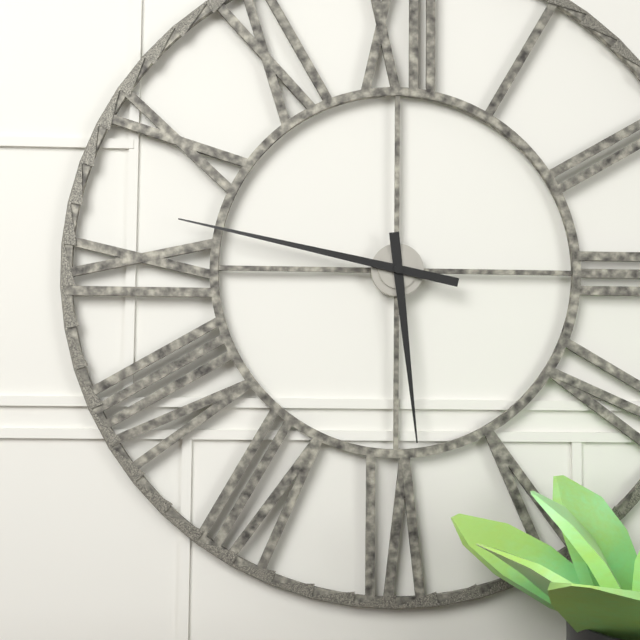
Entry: 5.47
